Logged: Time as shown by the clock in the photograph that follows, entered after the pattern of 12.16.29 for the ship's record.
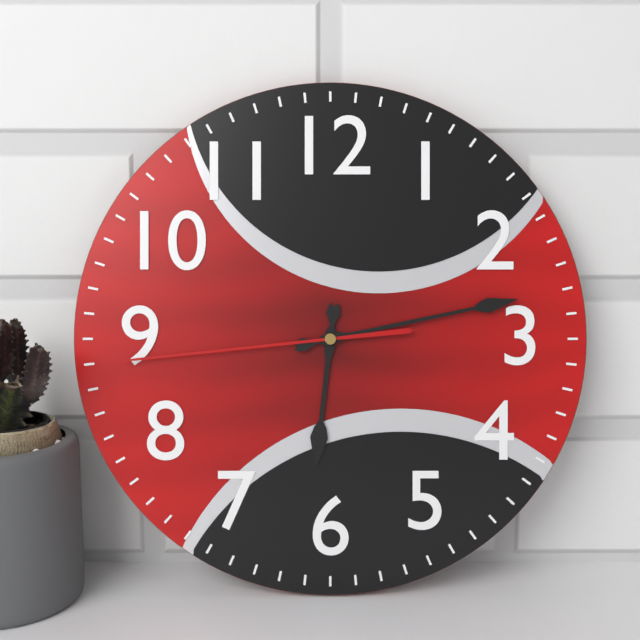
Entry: 6.13.44
